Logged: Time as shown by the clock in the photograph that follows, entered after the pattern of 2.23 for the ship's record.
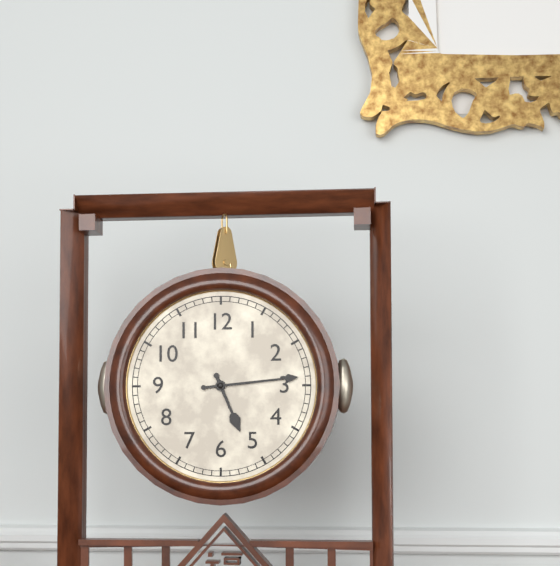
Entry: 5.14
